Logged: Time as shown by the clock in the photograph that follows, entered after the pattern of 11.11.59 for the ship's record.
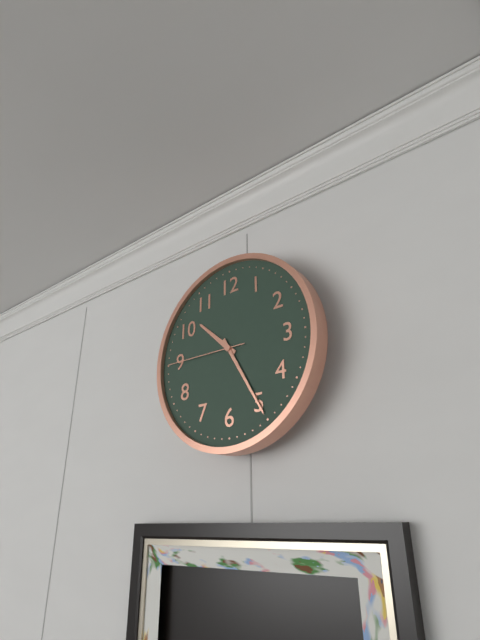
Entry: 10.25.45
